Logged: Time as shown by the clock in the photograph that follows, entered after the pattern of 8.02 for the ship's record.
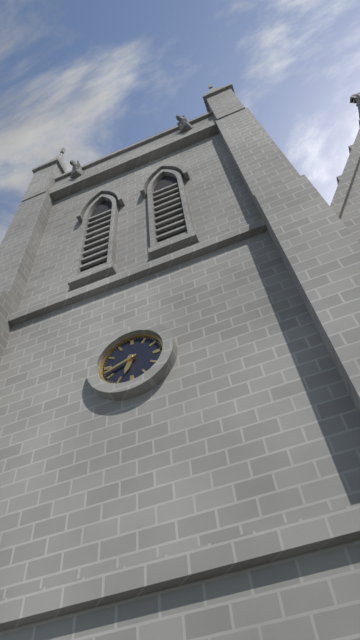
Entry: 6.42
